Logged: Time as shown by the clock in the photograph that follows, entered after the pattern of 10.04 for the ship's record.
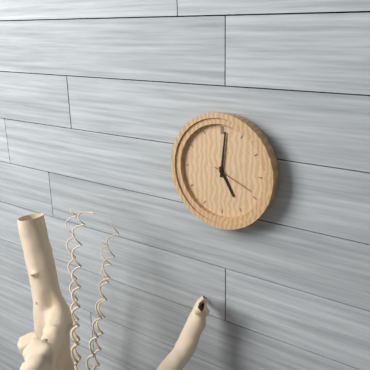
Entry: 5.01
